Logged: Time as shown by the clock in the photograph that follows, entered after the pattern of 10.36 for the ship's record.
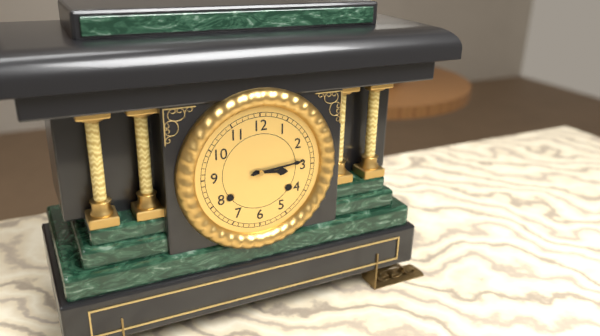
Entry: 3.14
